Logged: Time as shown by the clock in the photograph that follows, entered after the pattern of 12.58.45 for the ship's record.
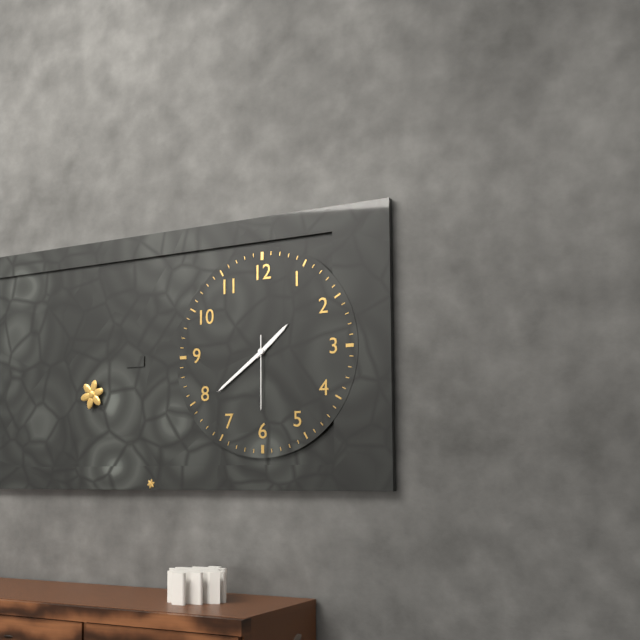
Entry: 1.39.30
